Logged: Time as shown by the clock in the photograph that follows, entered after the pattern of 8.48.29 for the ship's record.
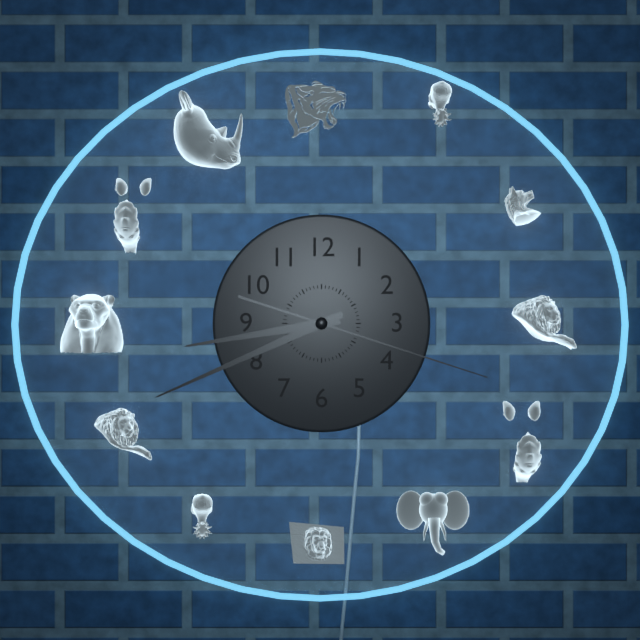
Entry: 8.41.18
